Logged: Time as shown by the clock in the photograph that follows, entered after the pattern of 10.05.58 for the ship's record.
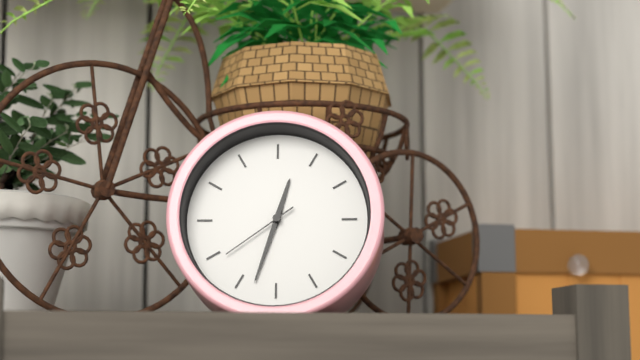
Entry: 12.33.39
